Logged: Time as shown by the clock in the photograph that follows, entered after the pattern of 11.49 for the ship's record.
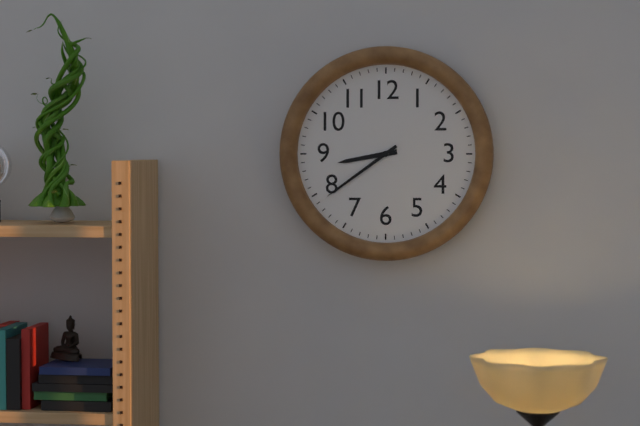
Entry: 8.39
